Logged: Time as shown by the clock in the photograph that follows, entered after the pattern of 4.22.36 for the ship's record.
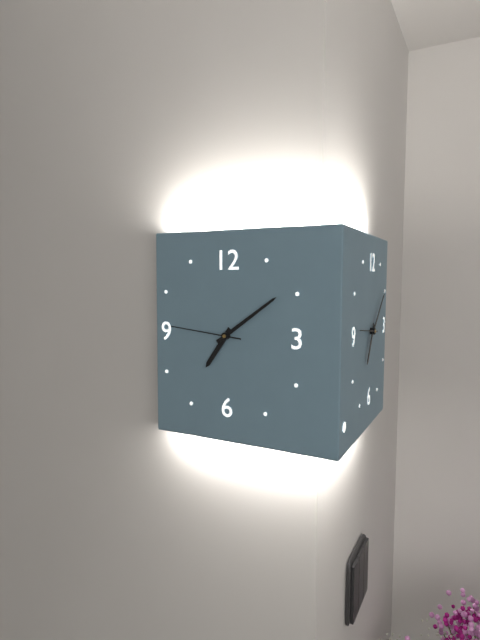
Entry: 7.09.46
